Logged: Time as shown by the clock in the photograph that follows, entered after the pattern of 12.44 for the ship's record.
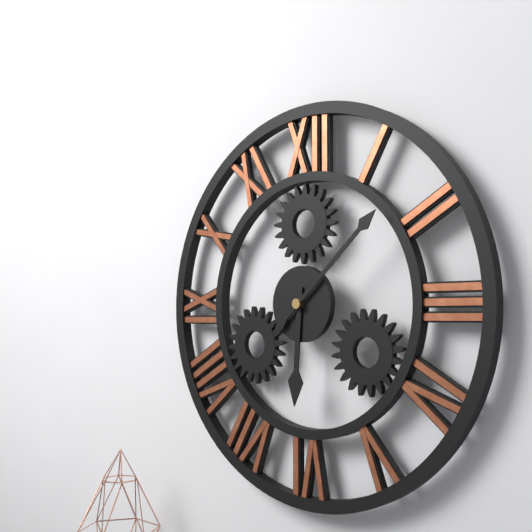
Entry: 6.08
